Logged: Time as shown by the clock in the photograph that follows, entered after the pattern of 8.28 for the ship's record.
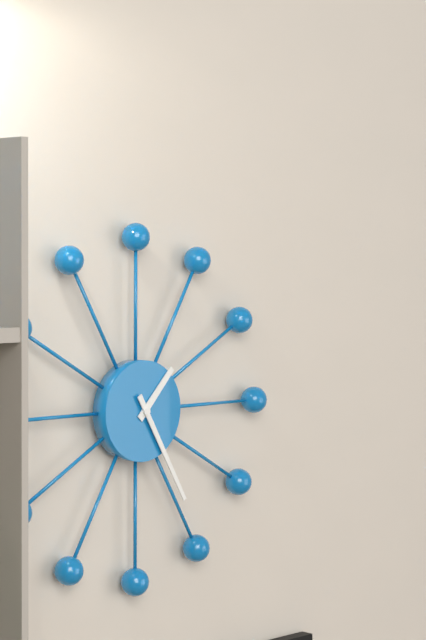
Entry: 1.25
